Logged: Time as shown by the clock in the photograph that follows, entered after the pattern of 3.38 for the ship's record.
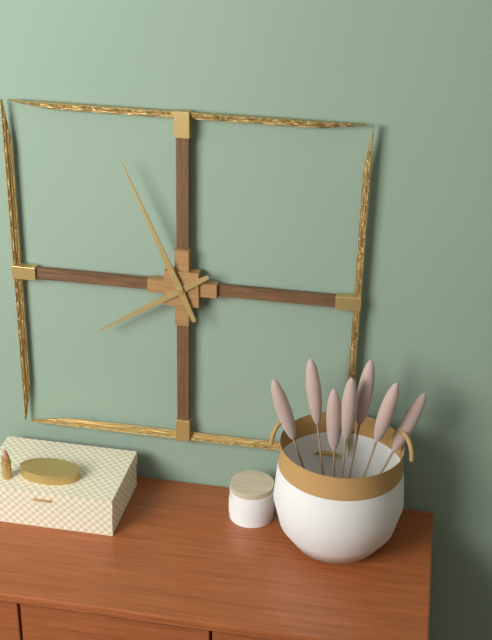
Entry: 7.56
